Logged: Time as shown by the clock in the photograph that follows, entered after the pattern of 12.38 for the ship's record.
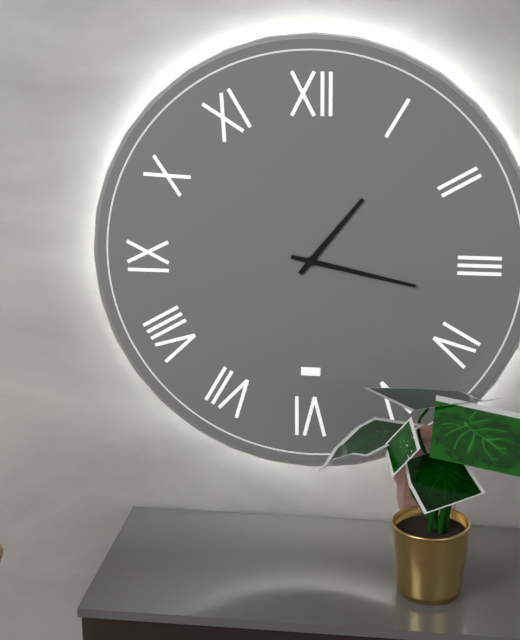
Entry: 1.17
